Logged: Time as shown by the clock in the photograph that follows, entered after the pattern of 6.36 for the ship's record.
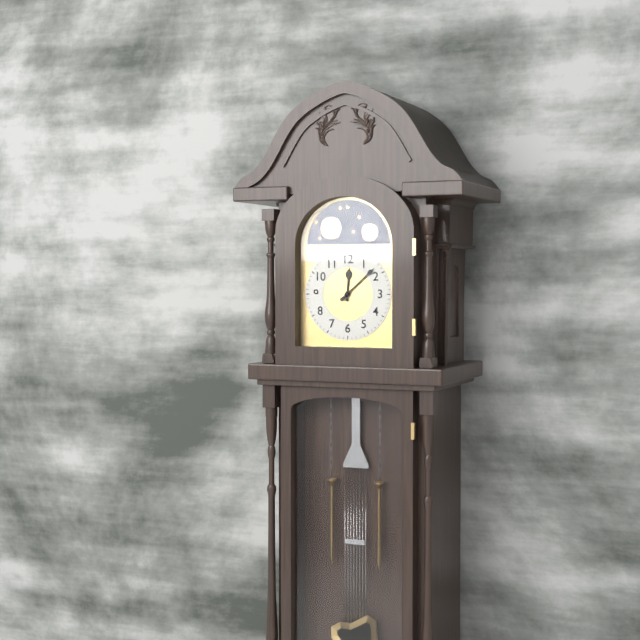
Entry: 12.08
